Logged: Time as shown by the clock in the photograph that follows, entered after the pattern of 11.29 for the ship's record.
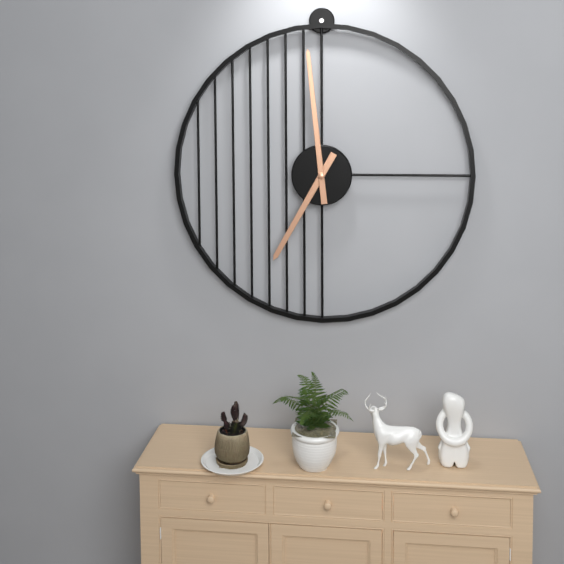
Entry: 6.59
